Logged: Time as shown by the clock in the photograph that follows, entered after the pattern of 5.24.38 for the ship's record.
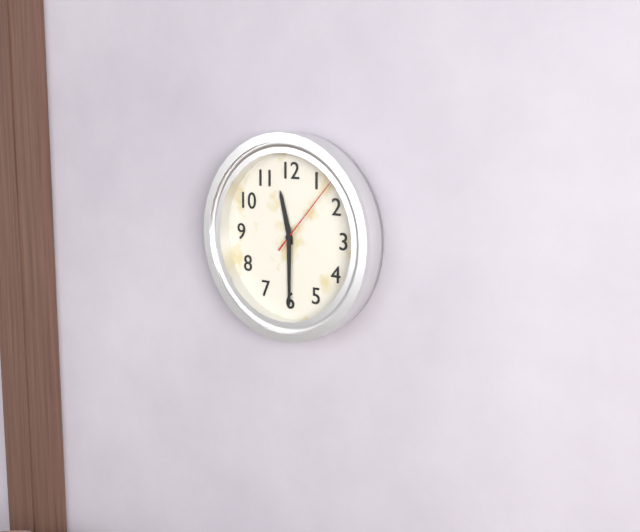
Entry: 11.30.07
